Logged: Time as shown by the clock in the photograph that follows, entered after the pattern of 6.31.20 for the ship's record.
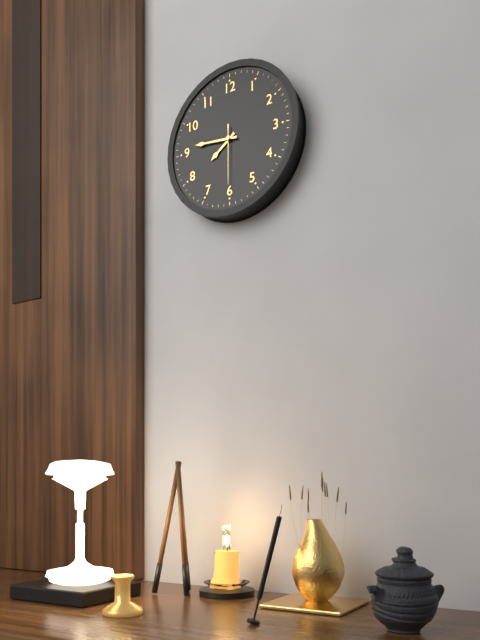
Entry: 7.46.30
